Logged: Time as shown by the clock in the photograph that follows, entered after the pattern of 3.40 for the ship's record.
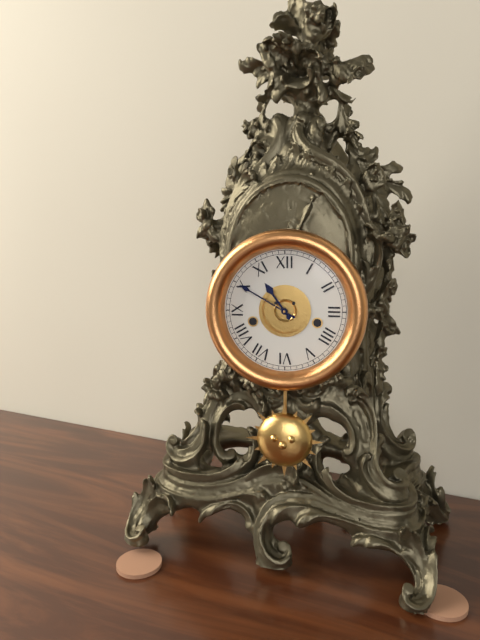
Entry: 10.50
